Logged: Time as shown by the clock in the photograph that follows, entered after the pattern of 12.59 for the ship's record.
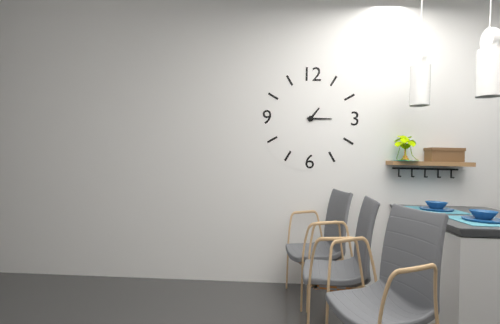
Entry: 1.15
